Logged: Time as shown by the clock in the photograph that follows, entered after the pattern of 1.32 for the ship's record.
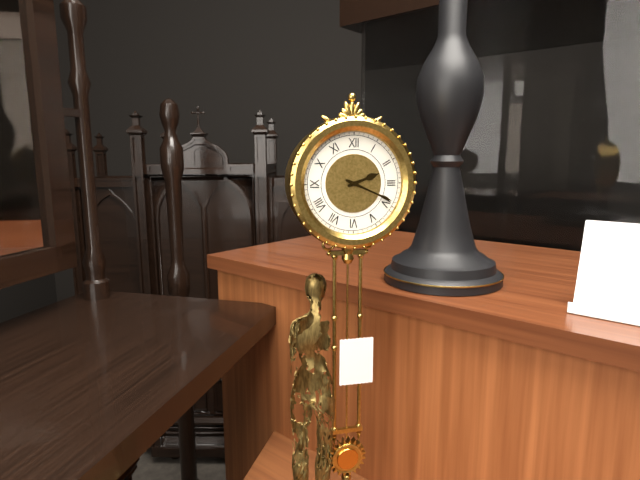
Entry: 2.19
